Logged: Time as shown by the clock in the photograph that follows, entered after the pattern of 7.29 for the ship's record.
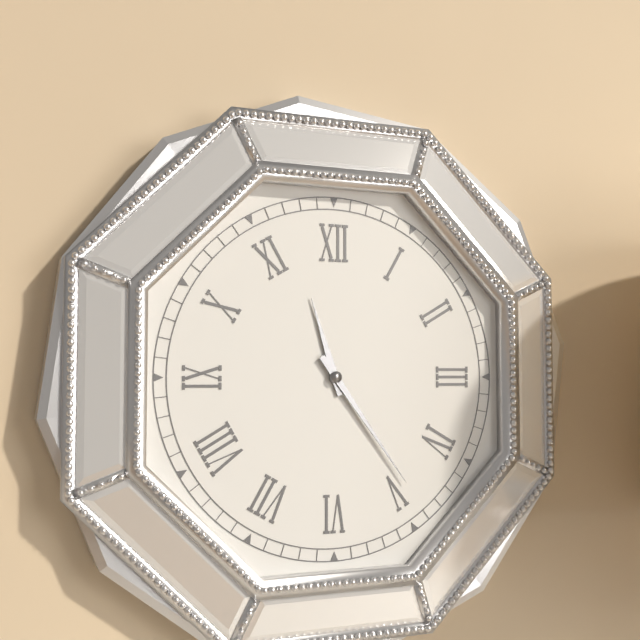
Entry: 11.24
